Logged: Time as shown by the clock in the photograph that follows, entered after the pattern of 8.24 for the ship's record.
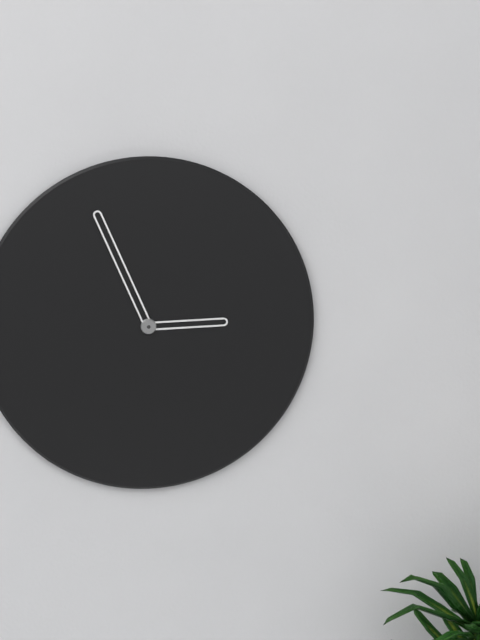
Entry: 2.56
